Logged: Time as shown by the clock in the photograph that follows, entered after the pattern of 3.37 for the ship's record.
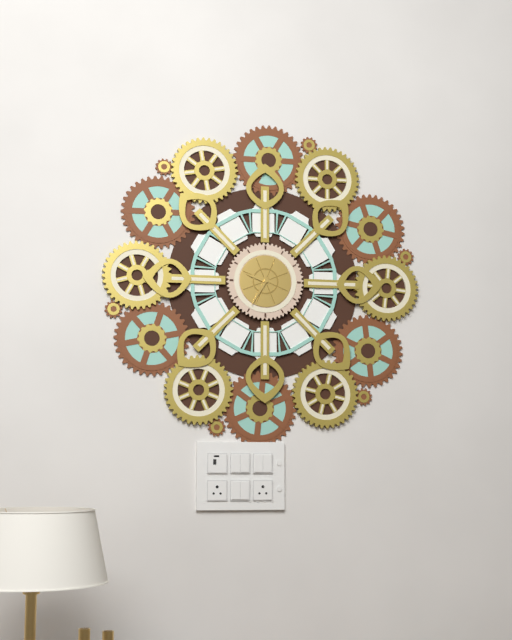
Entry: 9.35
